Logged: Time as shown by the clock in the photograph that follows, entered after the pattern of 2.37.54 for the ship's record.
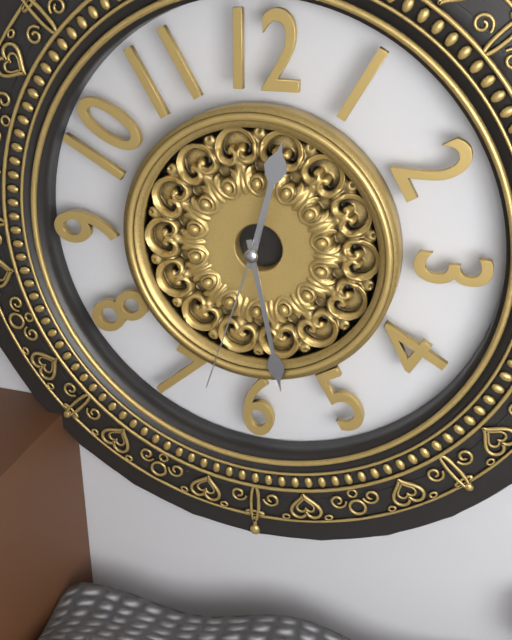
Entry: 12.28.33
